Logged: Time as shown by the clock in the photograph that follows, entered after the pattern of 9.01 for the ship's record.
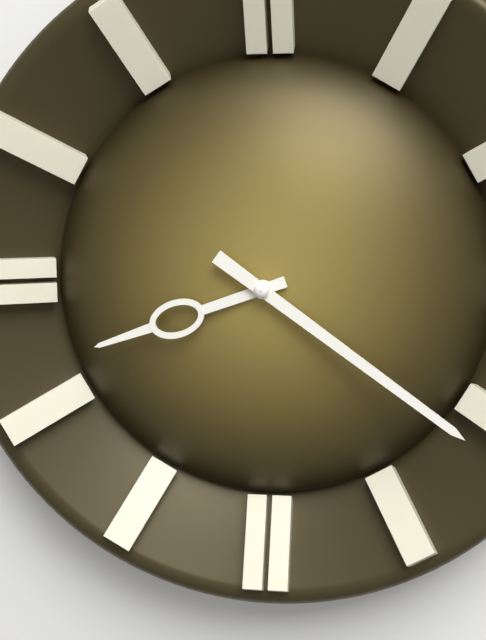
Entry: 8.21
